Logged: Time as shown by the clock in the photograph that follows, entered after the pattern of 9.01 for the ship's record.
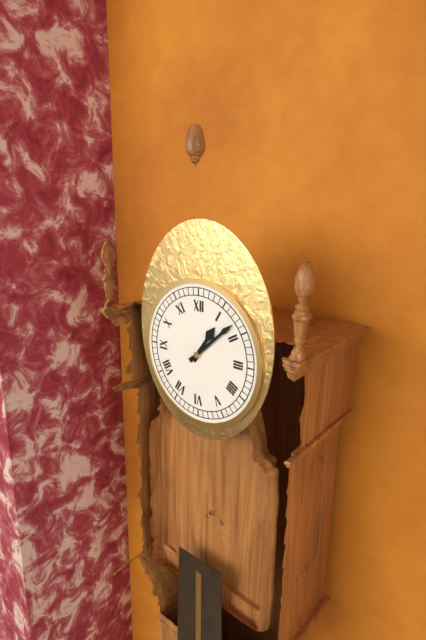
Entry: 1.08
